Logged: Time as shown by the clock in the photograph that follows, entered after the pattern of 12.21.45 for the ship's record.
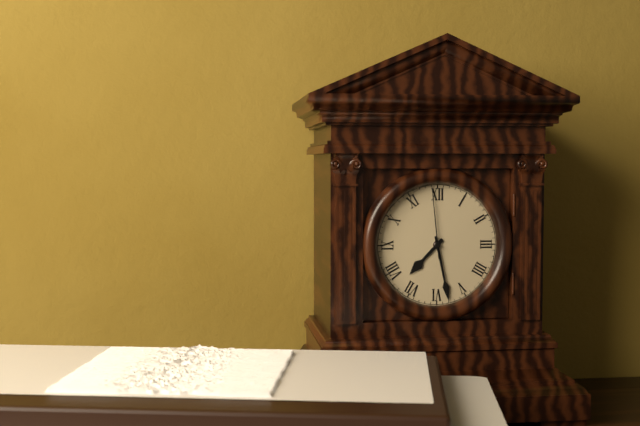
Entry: 7.28.59
